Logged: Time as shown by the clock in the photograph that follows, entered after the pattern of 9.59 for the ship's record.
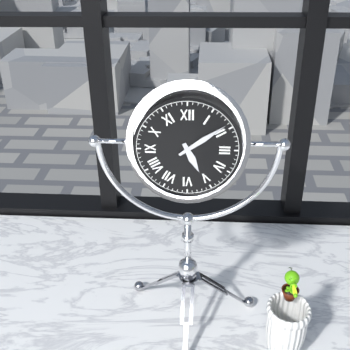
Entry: 5.09
